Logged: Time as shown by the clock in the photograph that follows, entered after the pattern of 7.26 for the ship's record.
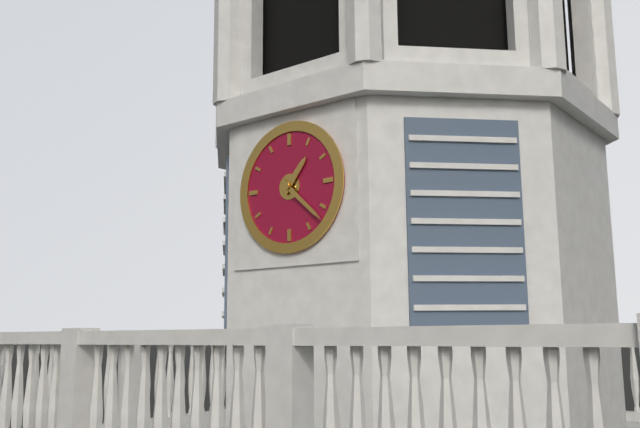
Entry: 1.22
